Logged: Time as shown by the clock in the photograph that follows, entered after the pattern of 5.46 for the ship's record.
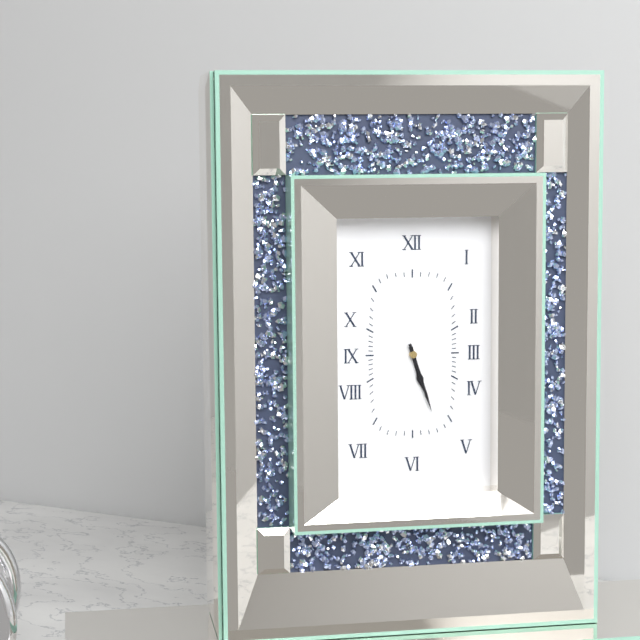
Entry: 5.27
